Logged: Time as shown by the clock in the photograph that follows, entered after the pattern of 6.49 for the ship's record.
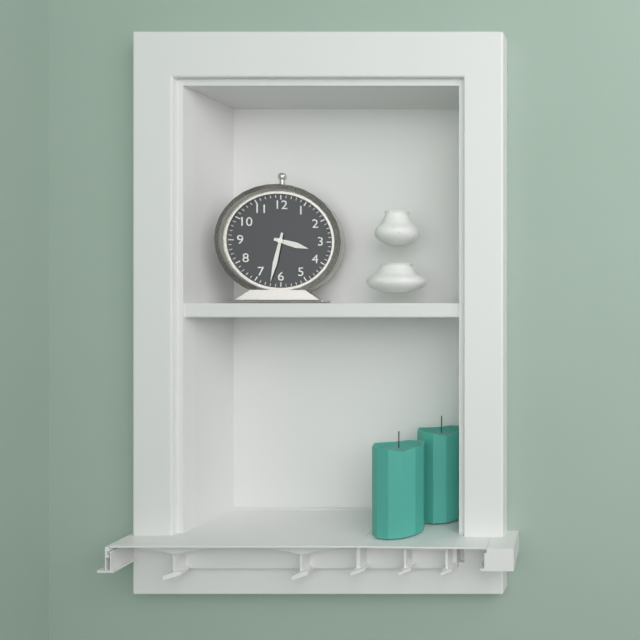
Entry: 3.32
